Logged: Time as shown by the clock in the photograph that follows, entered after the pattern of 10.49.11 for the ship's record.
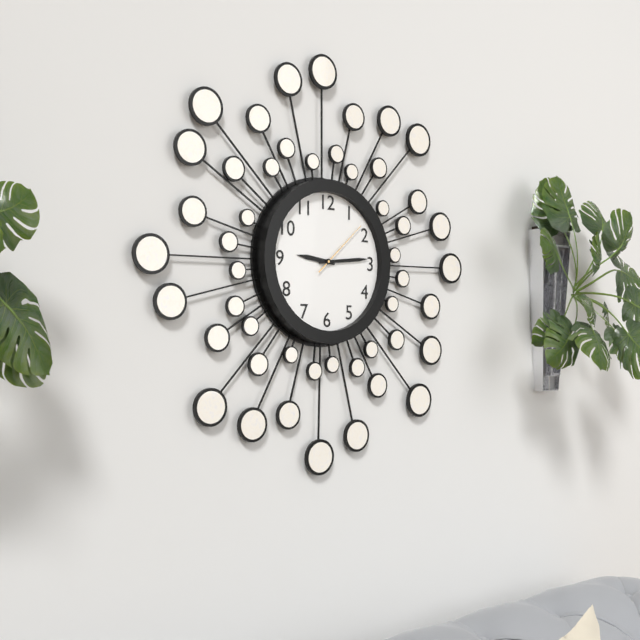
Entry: 9.14.08
